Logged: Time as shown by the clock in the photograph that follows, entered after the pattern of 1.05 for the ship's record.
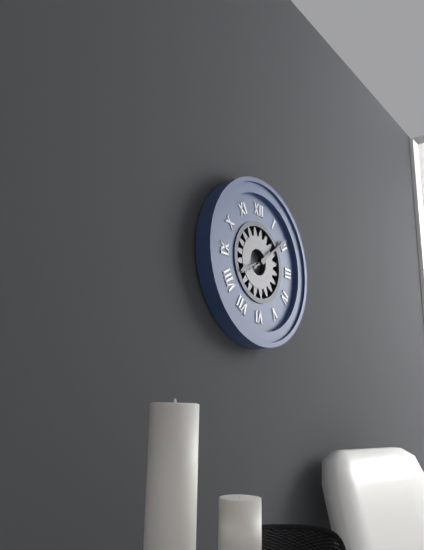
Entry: 8.09
